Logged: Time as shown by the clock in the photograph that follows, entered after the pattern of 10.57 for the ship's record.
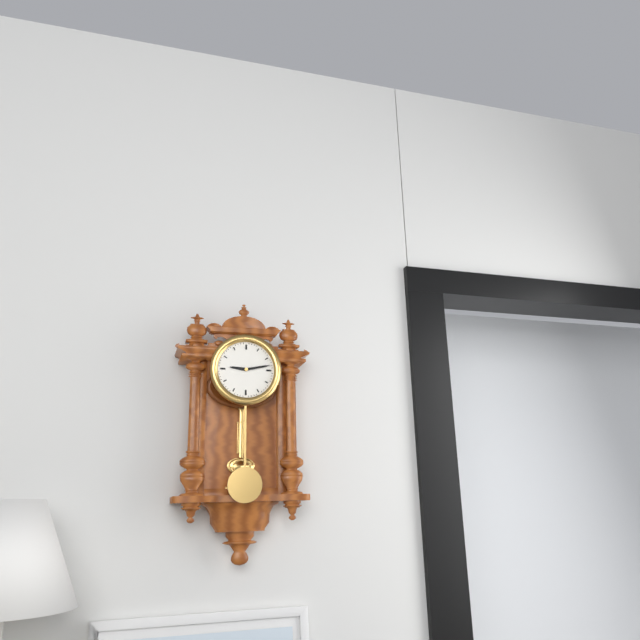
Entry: 9.13
